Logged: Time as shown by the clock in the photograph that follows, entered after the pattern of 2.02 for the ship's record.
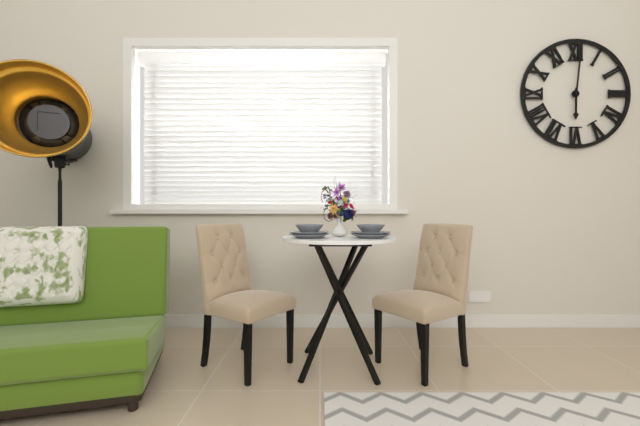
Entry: 6.01
